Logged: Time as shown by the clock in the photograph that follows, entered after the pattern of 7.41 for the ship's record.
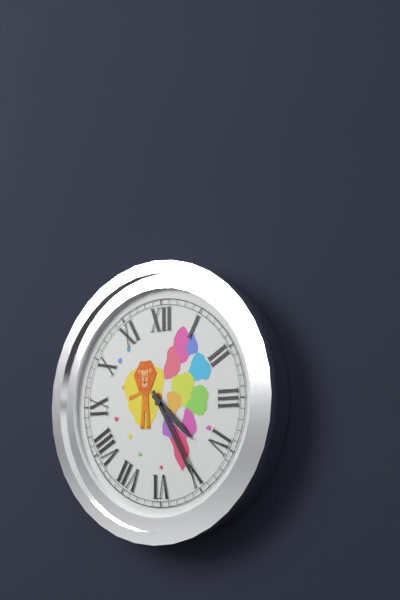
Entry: 4.25
